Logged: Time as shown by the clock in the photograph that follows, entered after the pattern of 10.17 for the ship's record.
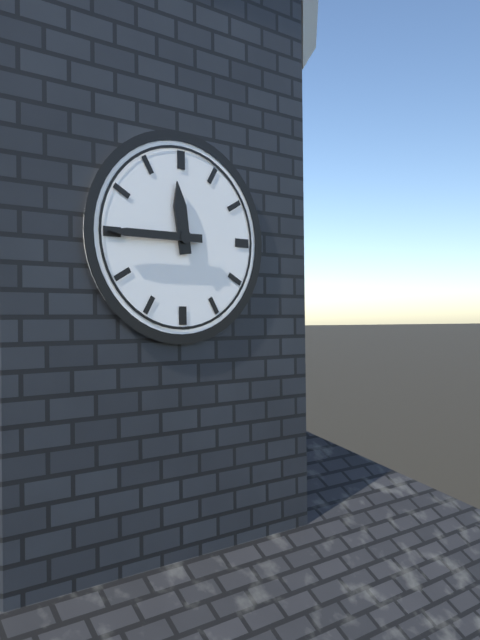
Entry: 11.45
